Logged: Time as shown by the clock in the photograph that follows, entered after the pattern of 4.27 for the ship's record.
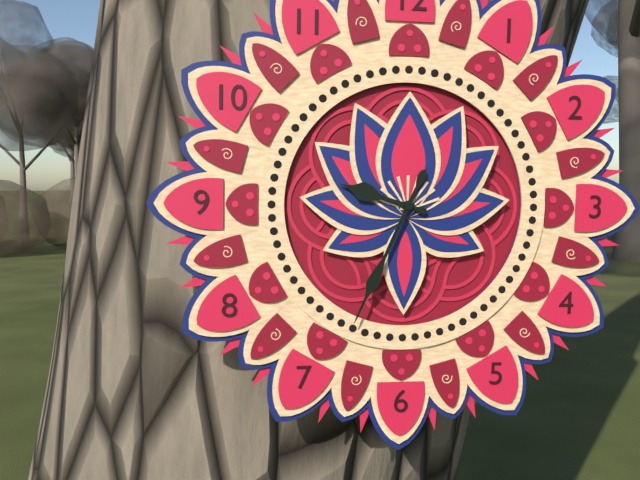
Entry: 9.34
